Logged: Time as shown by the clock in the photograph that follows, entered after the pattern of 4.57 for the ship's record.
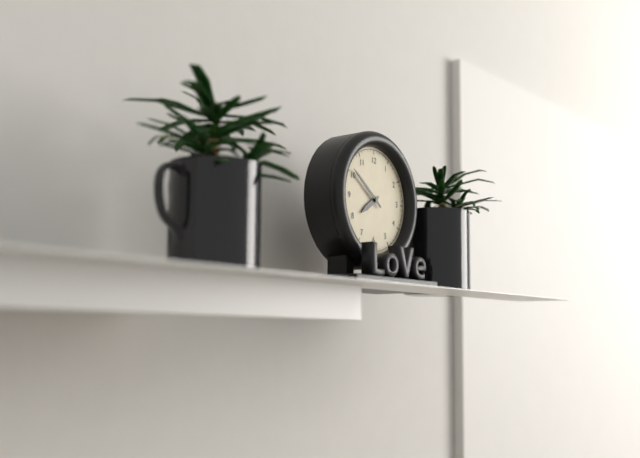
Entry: 7.51
